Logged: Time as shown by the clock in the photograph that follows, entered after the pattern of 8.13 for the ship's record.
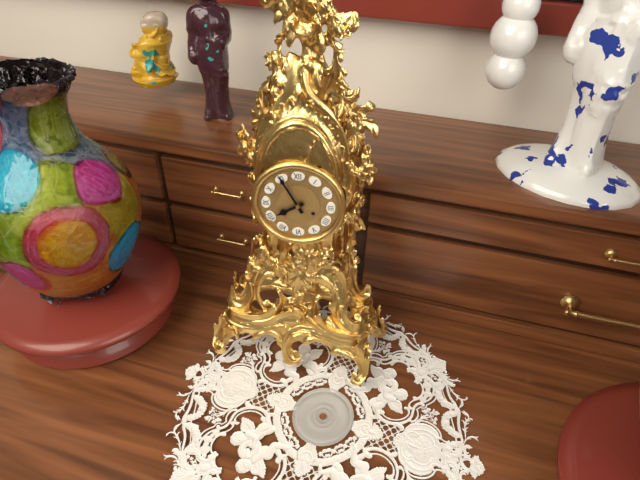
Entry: 7.55
